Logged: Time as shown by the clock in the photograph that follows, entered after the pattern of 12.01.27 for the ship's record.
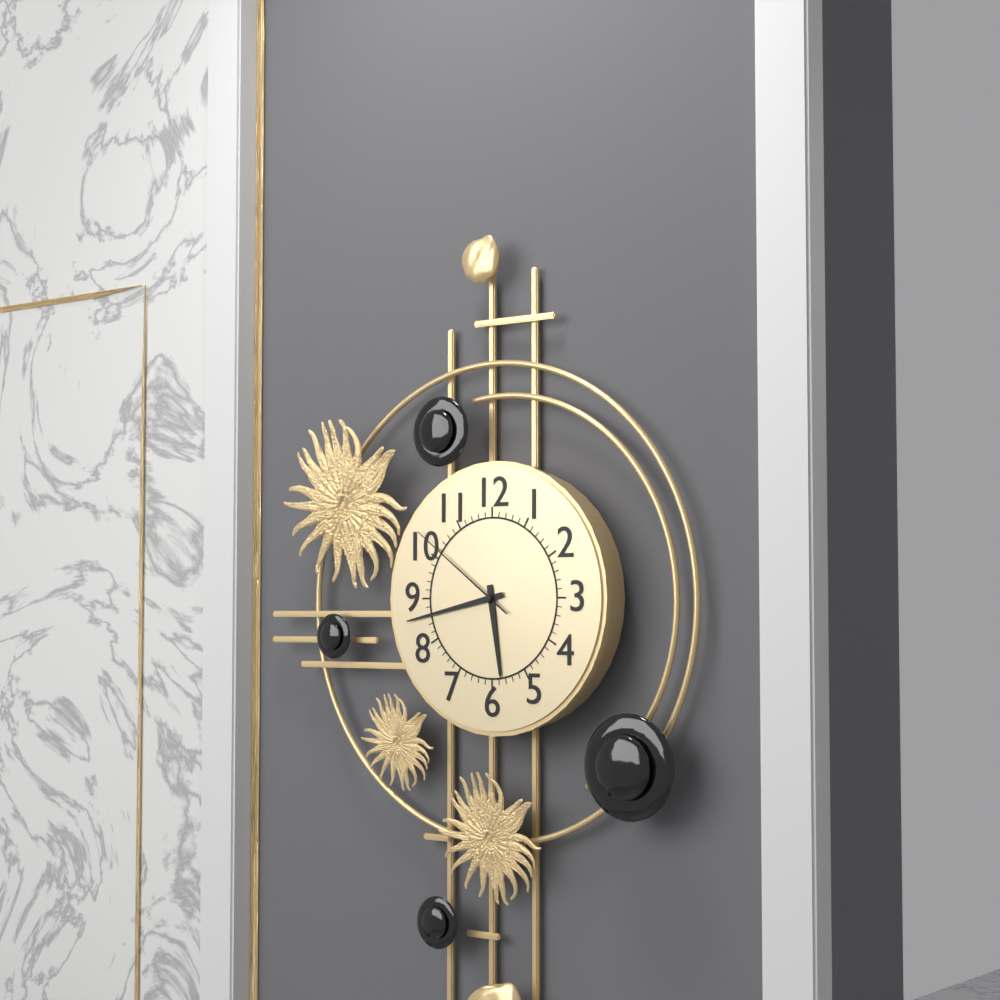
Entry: 5.43.51
